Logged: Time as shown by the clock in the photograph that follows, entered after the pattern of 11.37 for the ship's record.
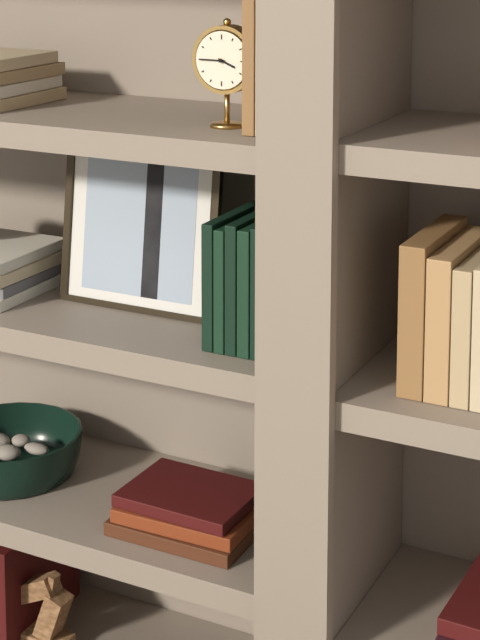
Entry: 3.45
